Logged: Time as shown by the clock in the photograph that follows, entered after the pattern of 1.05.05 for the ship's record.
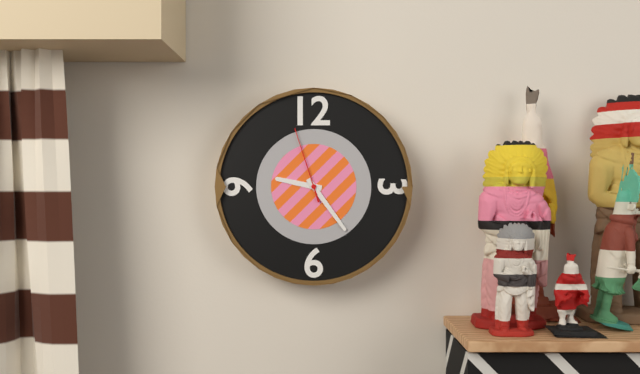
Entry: 9.24.57
